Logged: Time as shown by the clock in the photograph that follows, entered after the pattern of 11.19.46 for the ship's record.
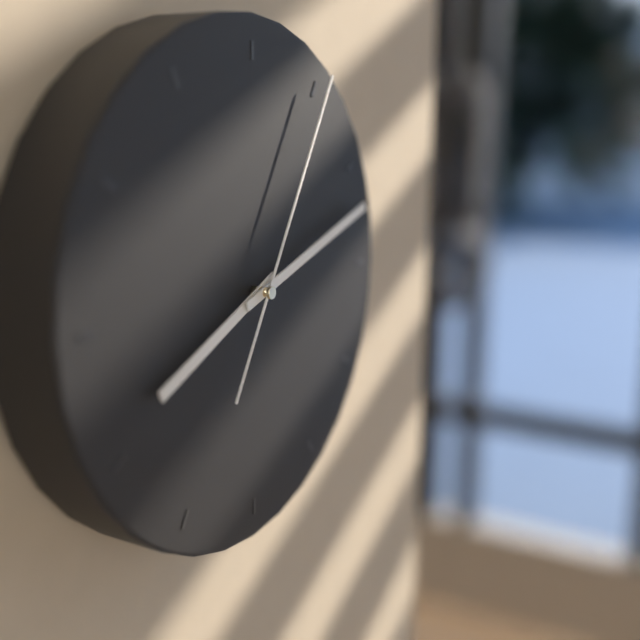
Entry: 8.12.05
